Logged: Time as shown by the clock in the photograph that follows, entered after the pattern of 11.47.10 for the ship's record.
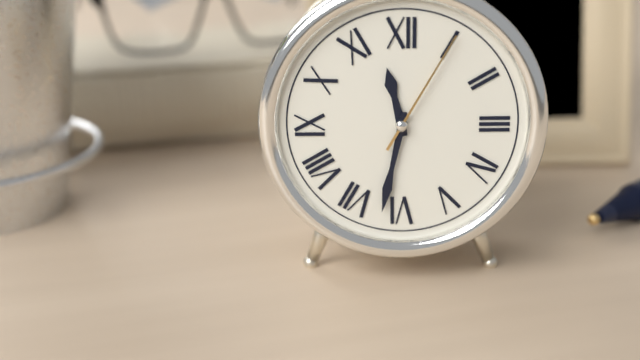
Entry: 11.32.05
